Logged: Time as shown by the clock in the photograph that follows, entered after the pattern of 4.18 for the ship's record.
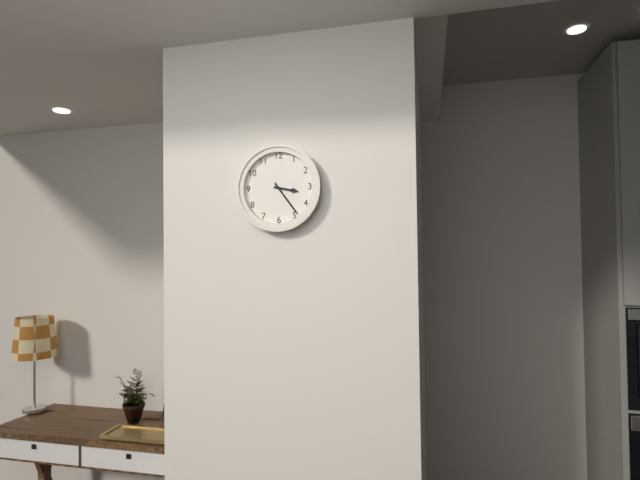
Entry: 3.24
